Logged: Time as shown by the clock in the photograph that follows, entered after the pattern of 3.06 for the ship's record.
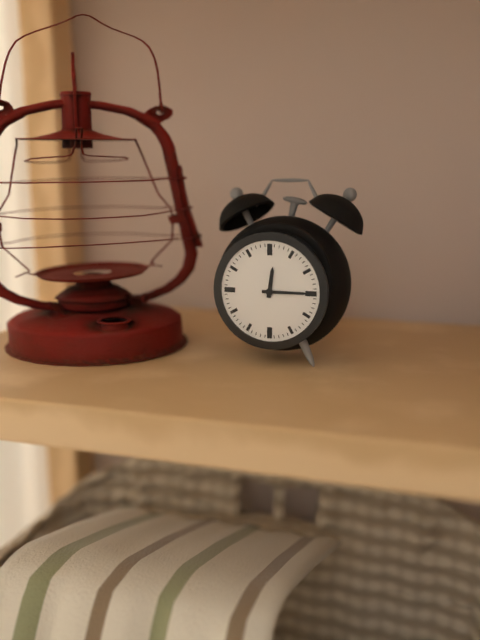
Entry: 12.15
